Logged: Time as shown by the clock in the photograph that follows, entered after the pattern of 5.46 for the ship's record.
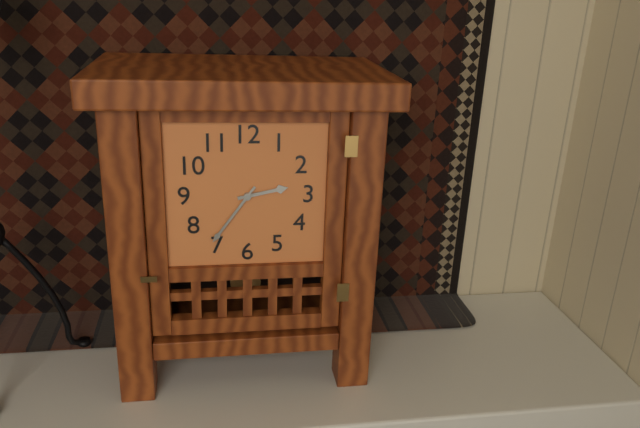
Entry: 2.36
